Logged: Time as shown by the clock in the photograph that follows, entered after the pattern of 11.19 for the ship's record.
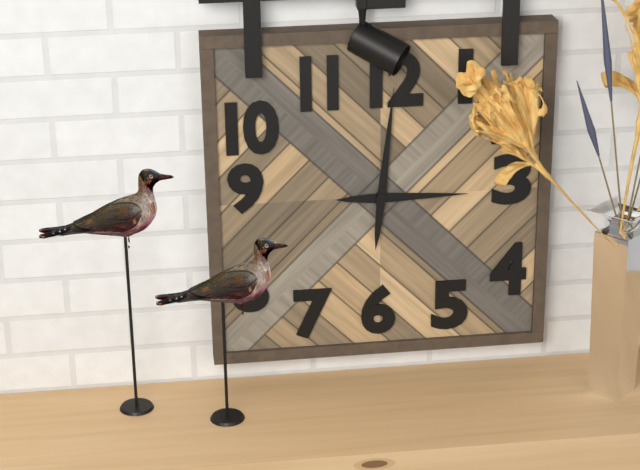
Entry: 3.01
